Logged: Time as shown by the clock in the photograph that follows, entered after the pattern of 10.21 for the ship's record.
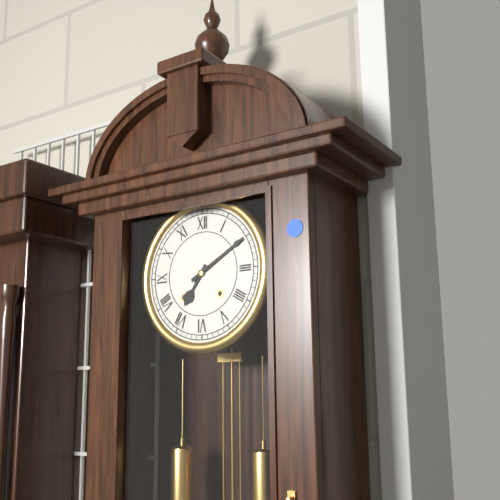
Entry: 7.10
